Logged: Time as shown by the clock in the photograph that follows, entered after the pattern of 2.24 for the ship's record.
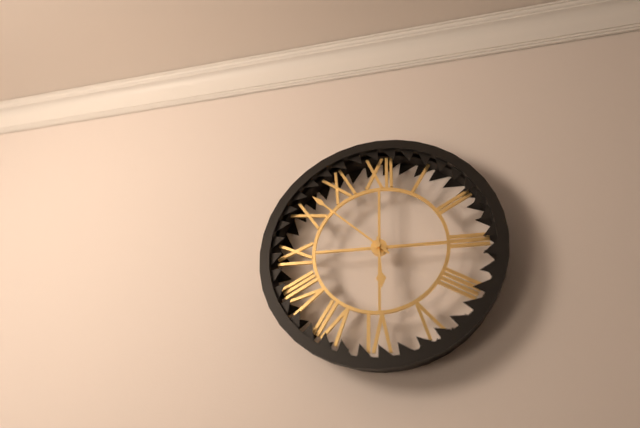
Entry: 5.52
